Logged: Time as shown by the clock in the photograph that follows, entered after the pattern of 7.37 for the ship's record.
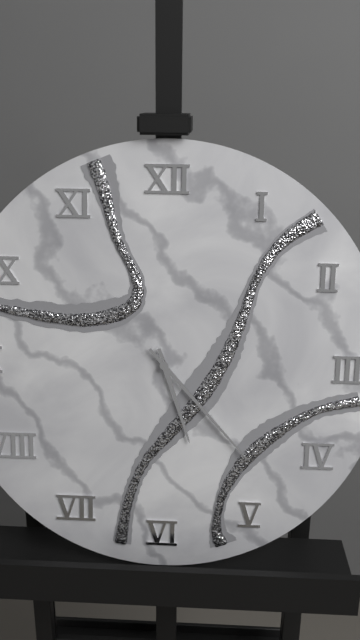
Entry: 5.23
